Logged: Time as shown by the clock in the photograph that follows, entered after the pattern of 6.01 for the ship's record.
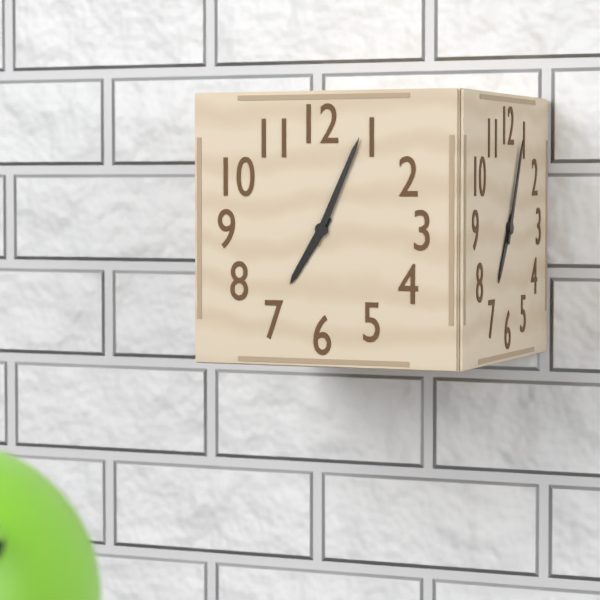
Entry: 7.04
